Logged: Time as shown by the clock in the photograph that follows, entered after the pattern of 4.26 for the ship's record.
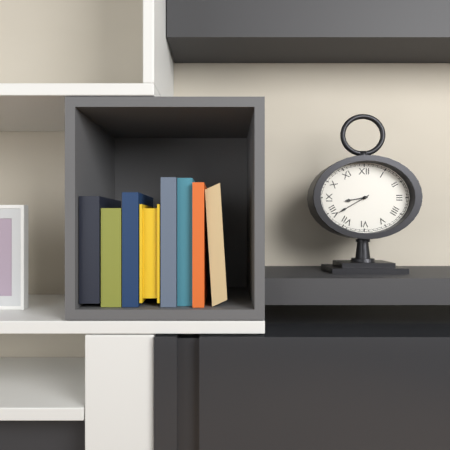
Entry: 8.40
